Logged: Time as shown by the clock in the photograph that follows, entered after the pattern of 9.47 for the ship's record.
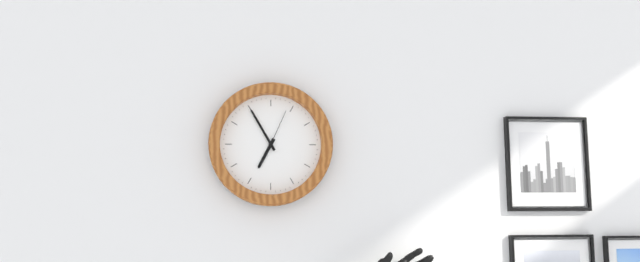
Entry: 6.55
